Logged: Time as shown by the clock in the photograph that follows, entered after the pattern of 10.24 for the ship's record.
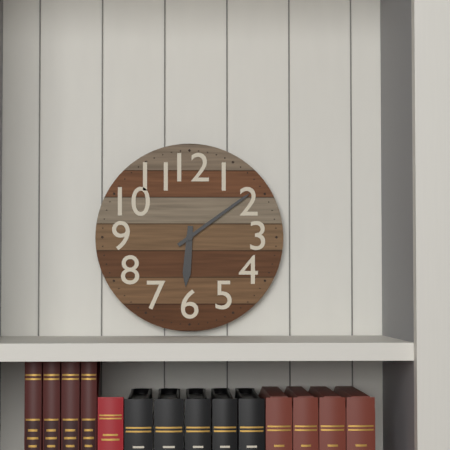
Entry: 6.09
